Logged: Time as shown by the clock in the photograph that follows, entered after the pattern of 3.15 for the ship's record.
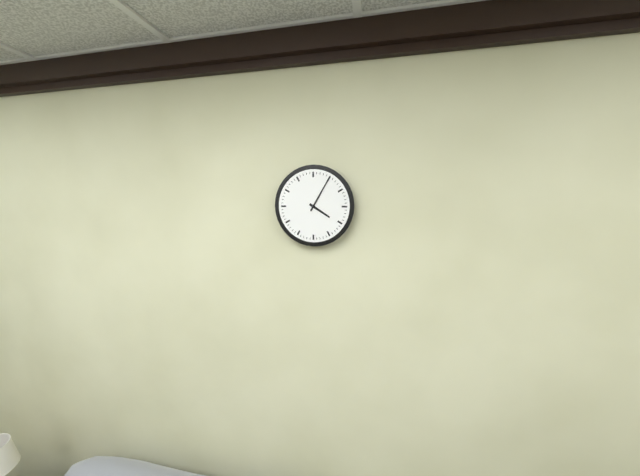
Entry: 4.05
